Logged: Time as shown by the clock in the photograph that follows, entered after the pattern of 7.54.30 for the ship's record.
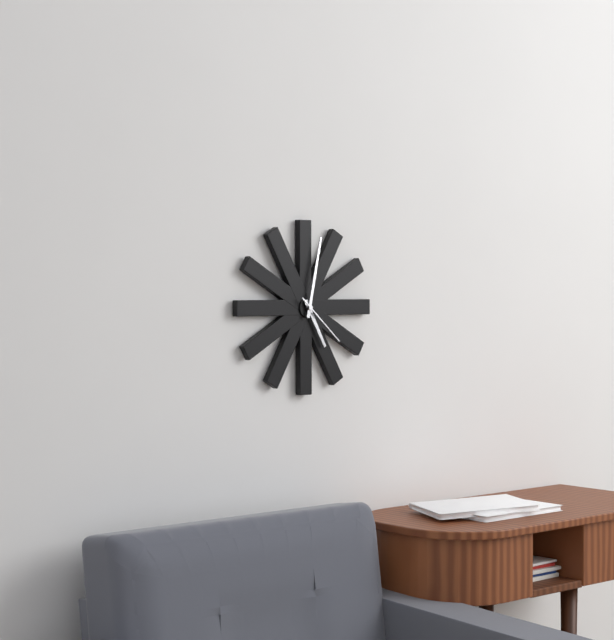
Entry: 5.02.22
